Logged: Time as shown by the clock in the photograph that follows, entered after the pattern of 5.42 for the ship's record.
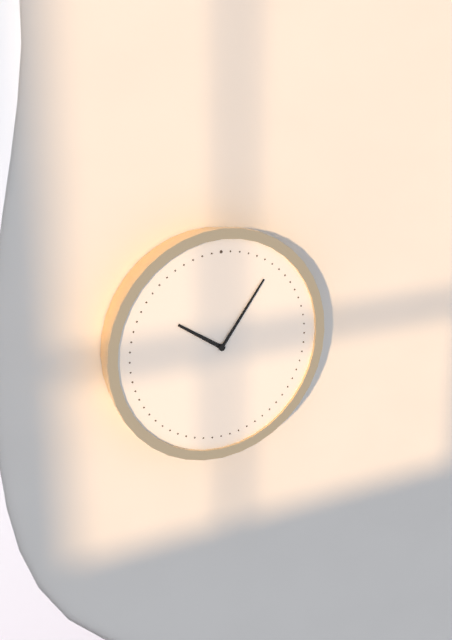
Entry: 10.06
